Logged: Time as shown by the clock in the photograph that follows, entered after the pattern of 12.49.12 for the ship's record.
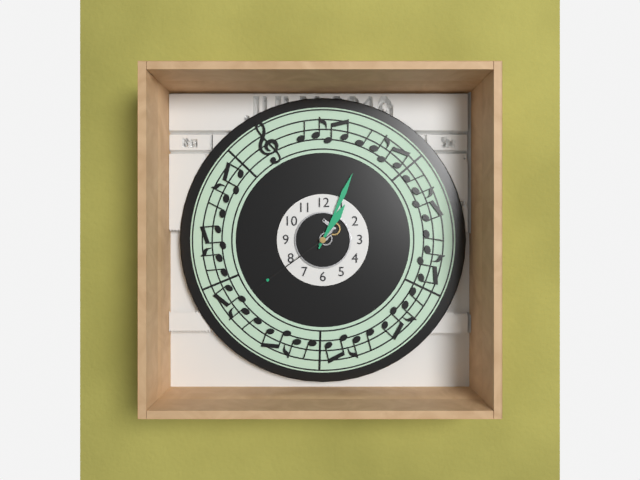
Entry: 1.04.39
